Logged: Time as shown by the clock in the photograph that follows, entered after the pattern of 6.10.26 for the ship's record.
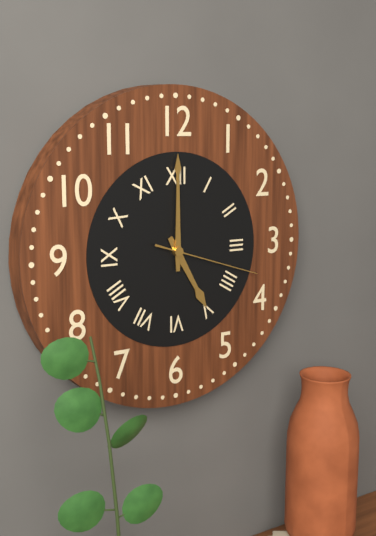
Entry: 5.00.18
